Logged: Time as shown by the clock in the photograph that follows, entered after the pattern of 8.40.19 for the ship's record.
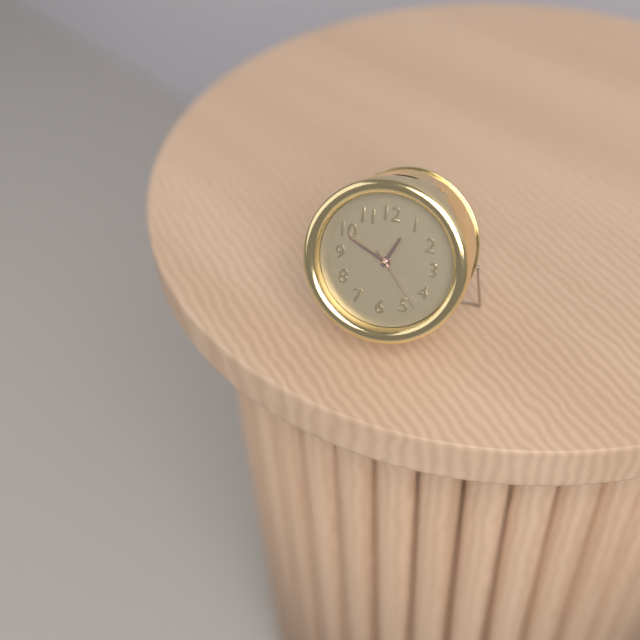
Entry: 12.49.23
